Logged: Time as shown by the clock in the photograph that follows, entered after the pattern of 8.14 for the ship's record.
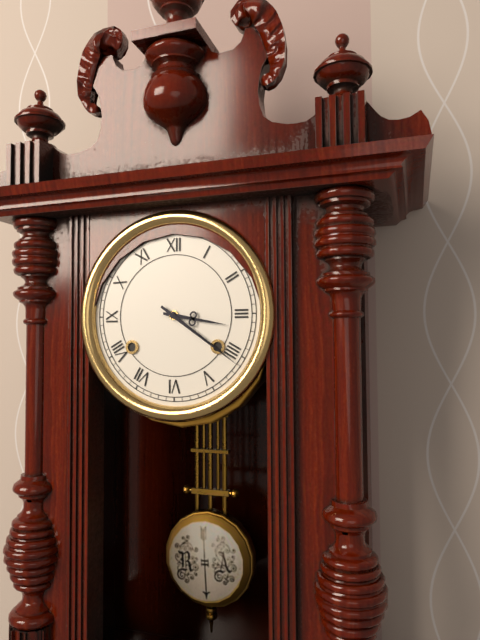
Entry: 3.21
